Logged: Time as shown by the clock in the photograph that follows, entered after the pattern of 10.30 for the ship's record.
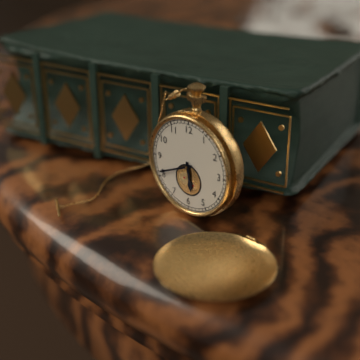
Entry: 5.41
